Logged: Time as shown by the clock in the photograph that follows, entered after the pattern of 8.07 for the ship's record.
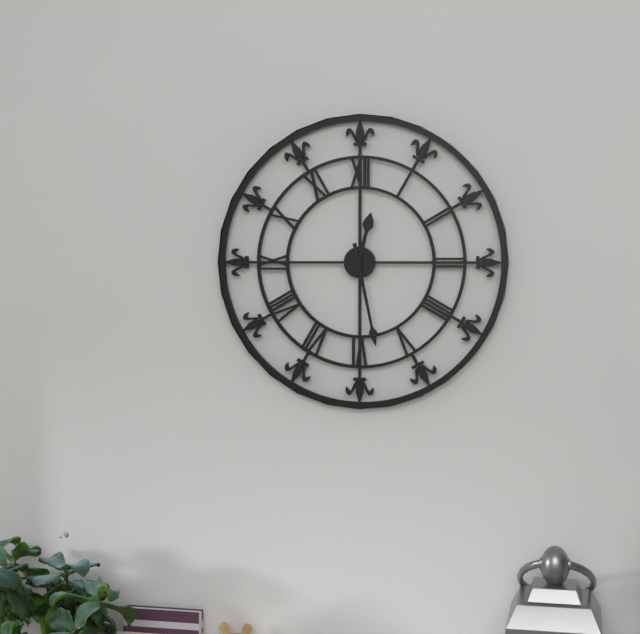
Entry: 12.28
